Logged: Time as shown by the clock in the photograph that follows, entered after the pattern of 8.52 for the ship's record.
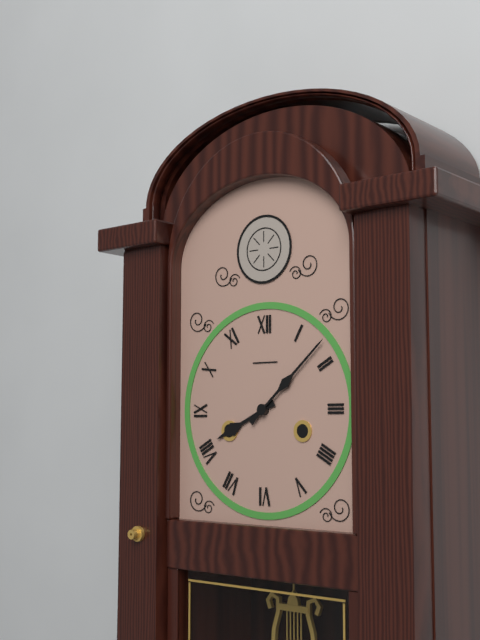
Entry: 8.08
